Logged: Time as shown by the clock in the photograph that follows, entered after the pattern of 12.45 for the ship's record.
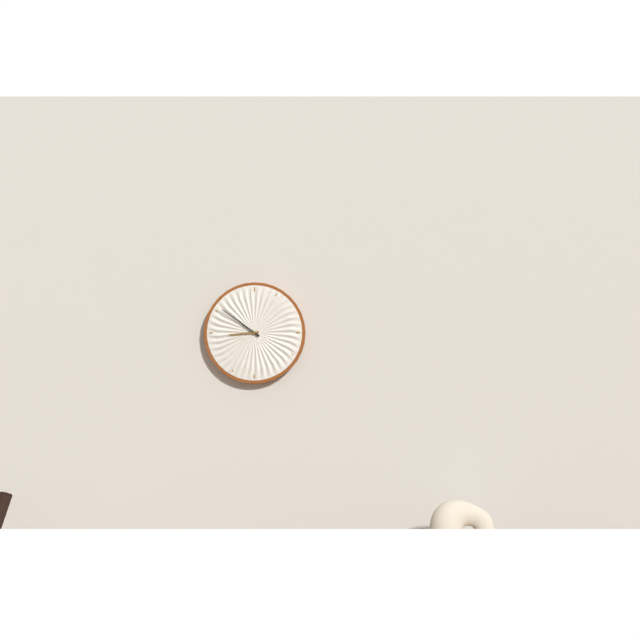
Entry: 8.51
